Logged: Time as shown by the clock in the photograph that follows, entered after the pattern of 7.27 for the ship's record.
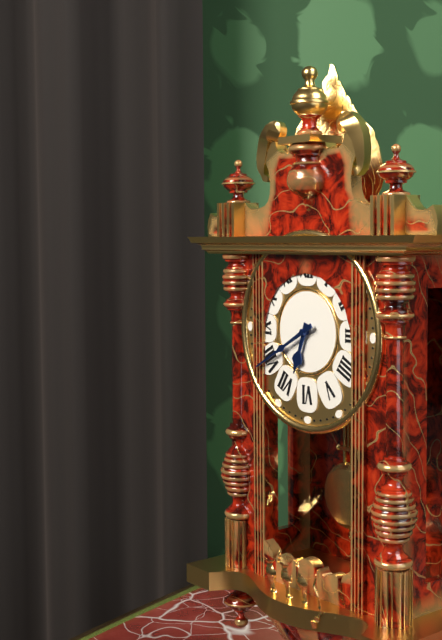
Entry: 6.40
